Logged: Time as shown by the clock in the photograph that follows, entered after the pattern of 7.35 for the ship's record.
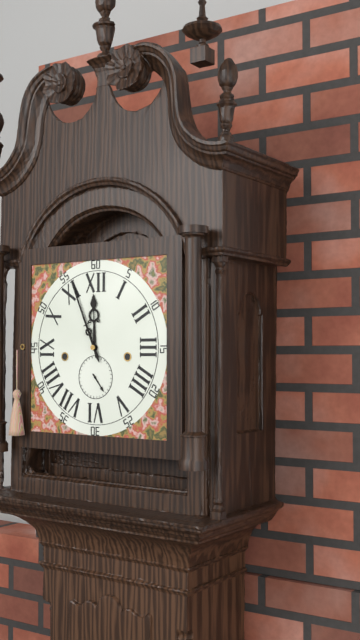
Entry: 11.56
